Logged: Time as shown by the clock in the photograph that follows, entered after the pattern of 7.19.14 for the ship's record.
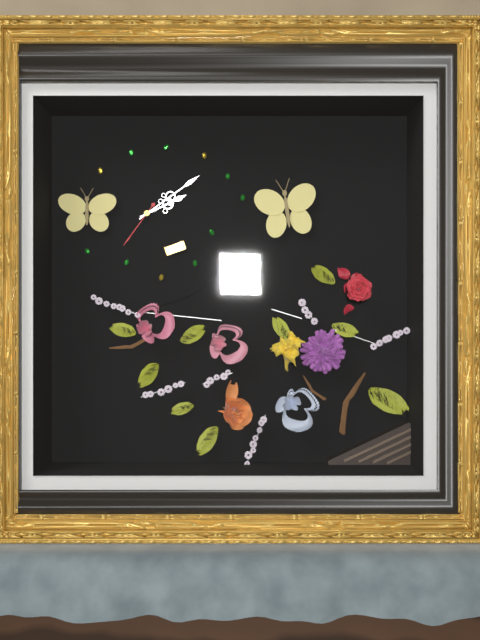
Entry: 2.09.36
